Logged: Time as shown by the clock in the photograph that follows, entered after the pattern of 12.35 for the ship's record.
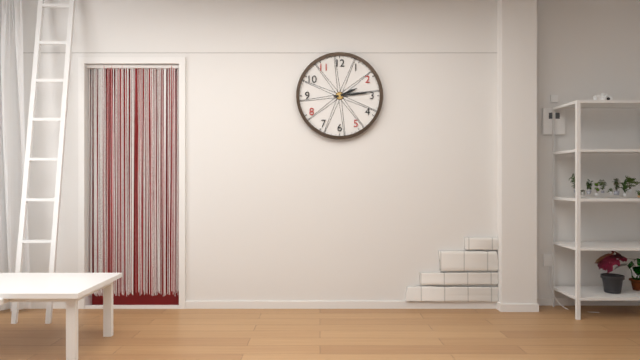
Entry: 2.14
